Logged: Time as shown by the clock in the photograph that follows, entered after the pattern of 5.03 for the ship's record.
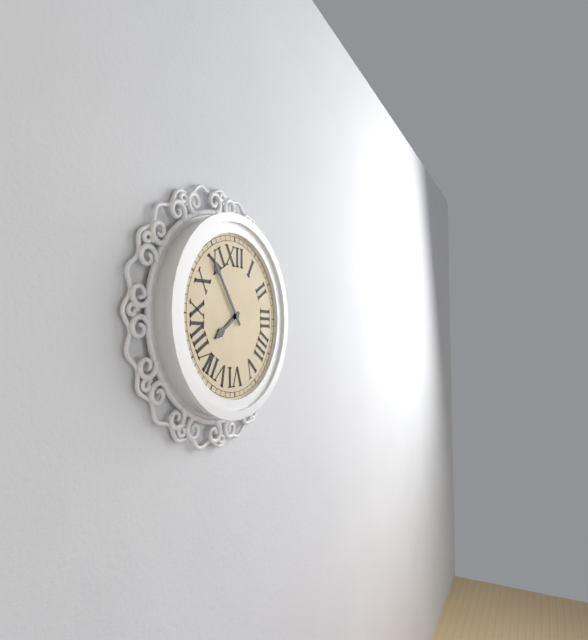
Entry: 7.54
